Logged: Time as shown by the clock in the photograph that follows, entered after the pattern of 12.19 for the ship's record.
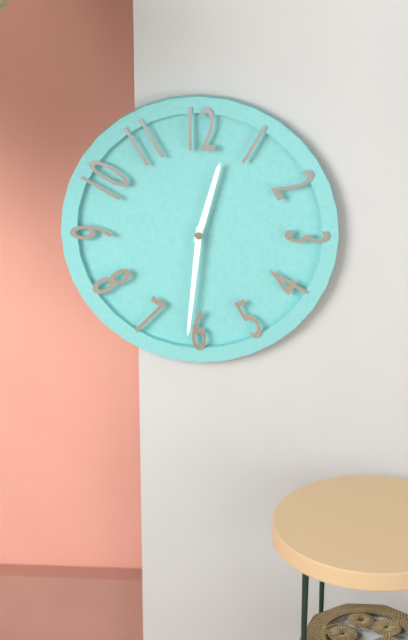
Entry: 12.31
